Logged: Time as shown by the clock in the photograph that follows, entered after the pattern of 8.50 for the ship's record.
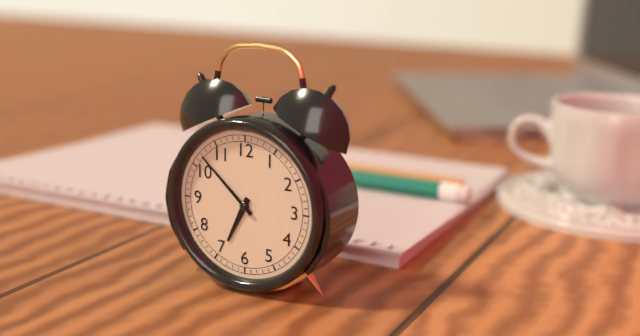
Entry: 6.52
